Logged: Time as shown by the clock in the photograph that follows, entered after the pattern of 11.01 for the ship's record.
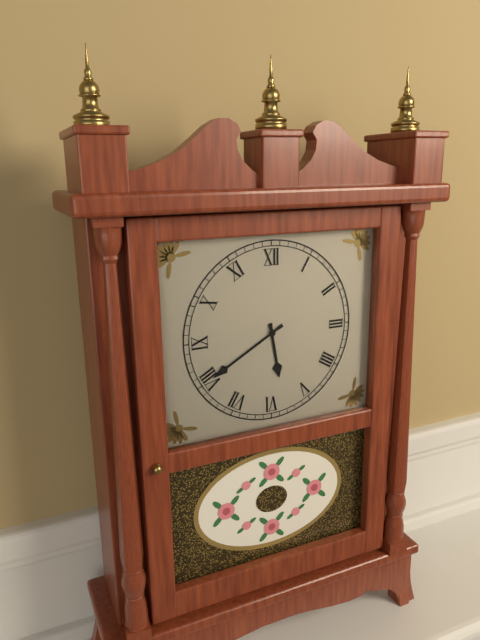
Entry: 5.40
